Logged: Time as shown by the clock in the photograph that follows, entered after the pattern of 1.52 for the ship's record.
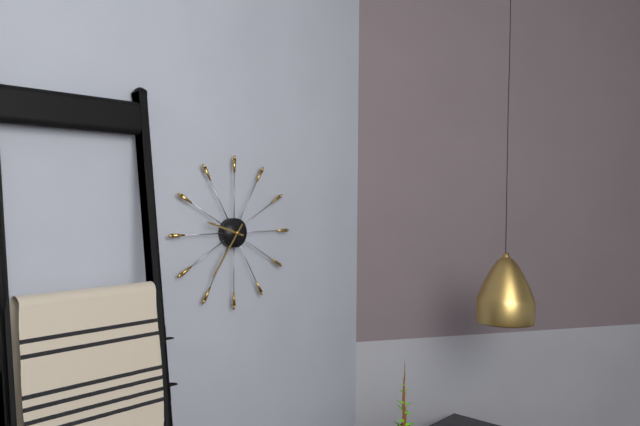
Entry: 9.36
